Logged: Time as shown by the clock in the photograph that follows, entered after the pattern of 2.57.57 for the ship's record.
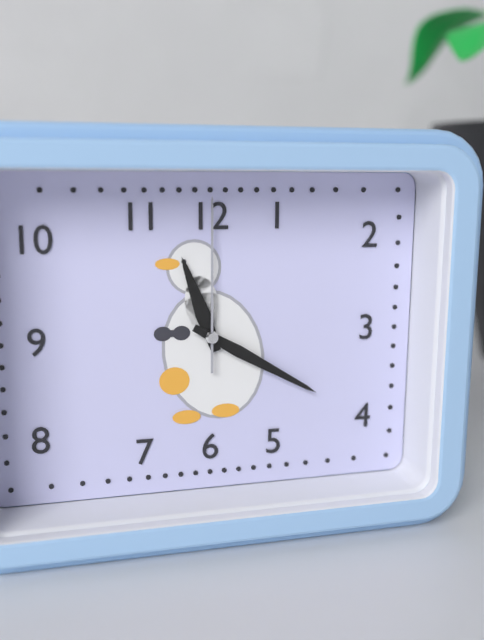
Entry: 11.20.00
